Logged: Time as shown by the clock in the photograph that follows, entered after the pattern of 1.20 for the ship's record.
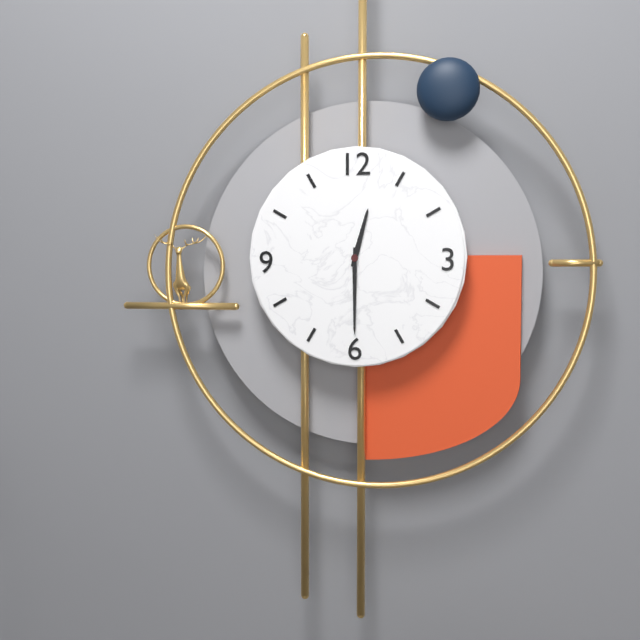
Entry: 12.30
